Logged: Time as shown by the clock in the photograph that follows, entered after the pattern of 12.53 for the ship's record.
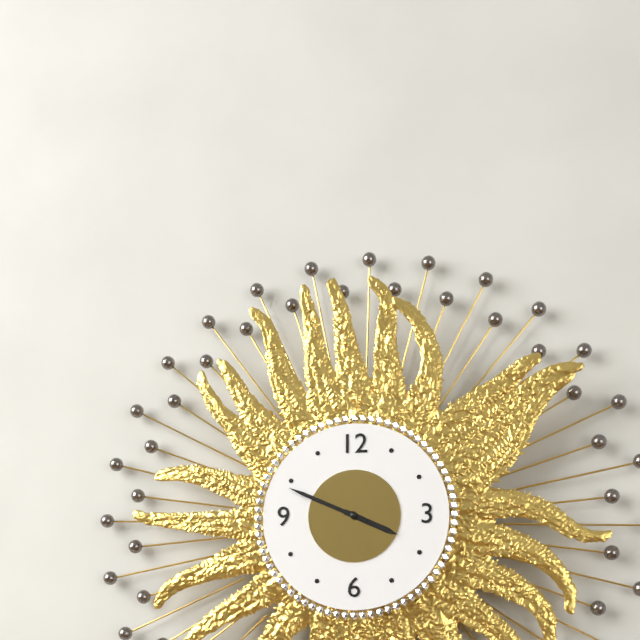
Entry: 3.49
